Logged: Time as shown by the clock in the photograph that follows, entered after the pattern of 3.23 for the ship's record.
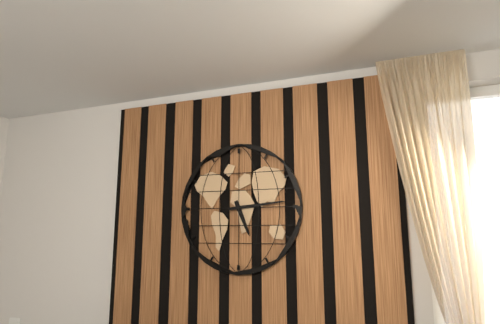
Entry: 5.14
